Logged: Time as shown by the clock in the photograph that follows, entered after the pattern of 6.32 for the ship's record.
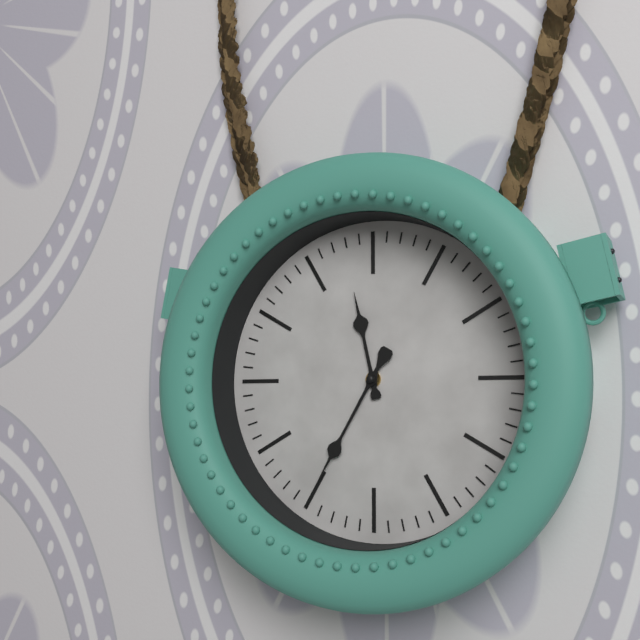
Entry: 11.35
